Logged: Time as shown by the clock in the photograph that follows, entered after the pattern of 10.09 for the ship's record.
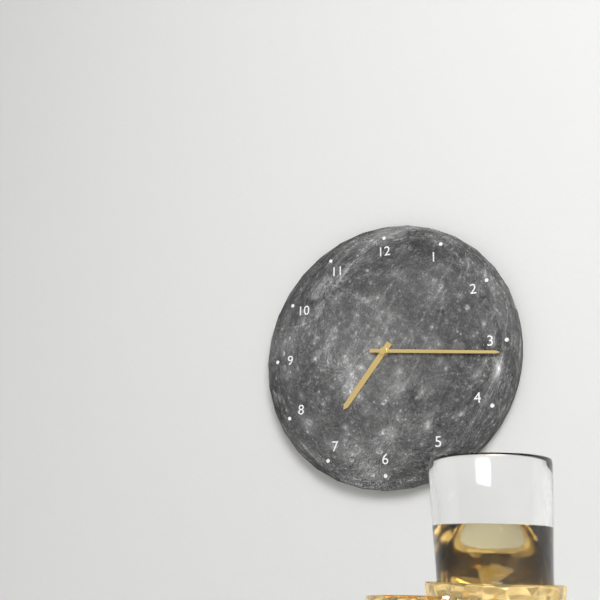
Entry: 7.16
